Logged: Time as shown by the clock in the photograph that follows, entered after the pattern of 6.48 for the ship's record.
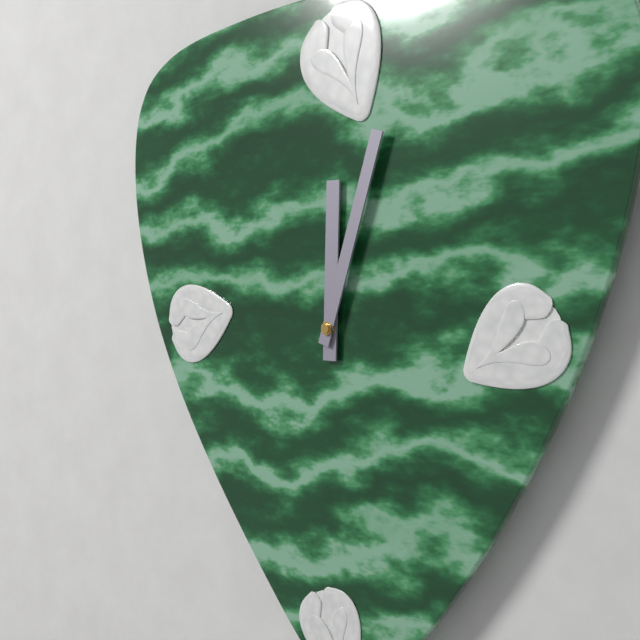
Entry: 12.03
